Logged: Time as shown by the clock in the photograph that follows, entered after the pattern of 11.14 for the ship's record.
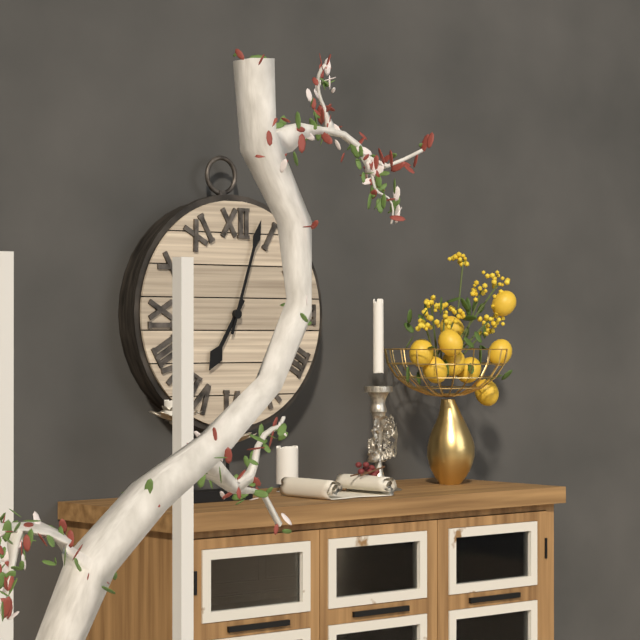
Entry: 7.03
